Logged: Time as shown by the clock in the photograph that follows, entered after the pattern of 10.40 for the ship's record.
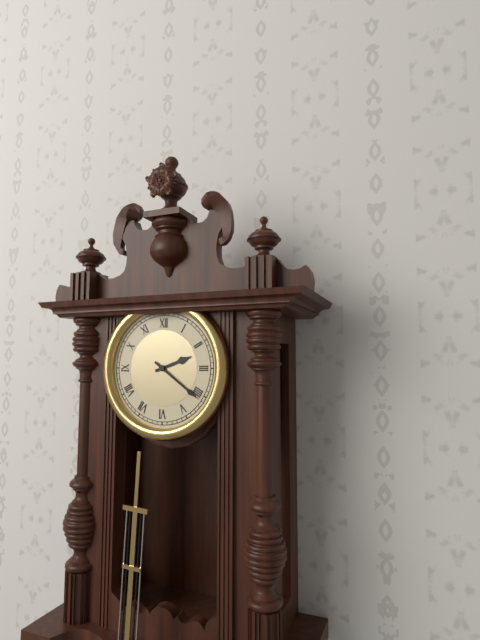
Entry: 2.21
